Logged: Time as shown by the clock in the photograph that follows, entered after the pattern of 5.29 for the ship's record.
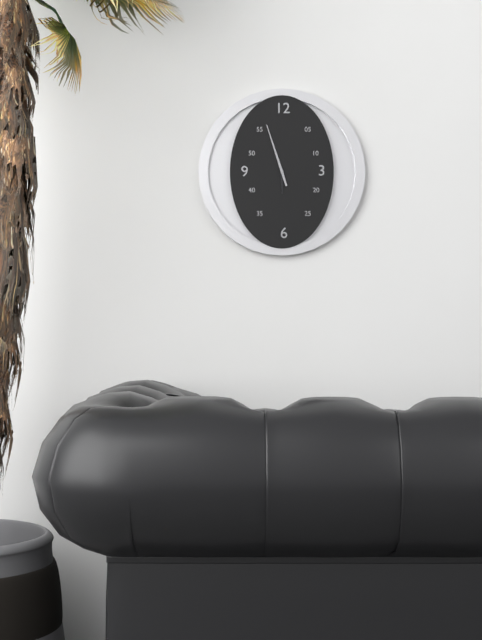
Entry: 5.57
